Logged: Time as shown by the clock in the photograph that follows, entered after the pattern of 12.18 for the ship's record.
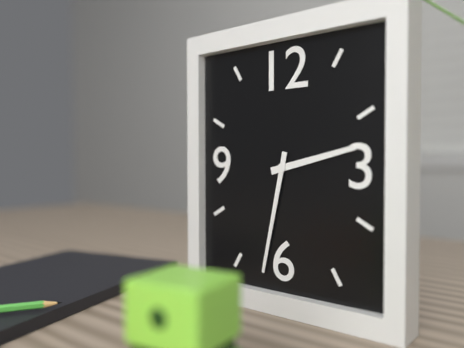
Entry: 2.32
